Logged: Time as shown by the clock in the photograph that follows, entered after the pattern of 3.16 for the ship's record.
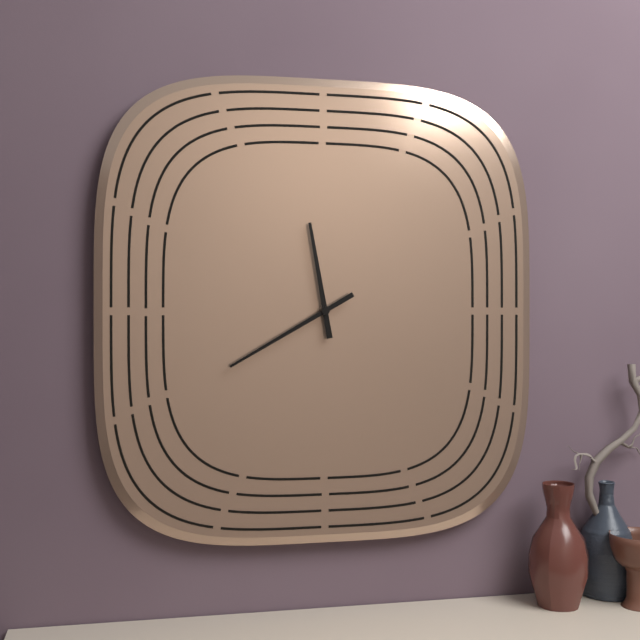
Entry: 11.40
